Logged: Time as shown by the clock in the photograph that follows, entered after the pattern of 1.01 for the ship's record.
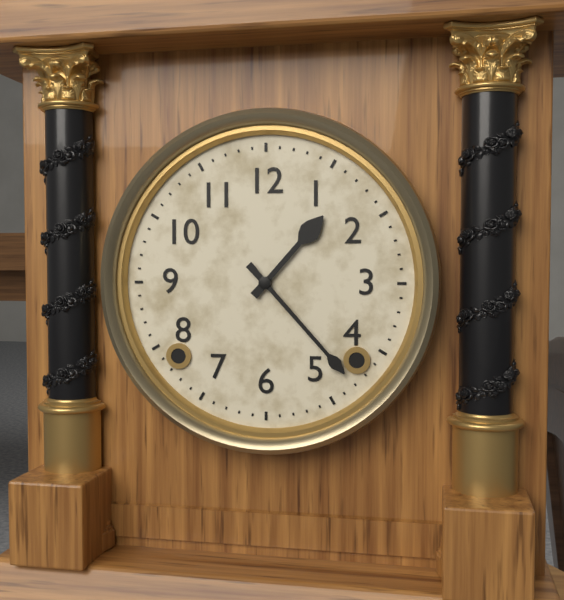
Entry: 1.23
